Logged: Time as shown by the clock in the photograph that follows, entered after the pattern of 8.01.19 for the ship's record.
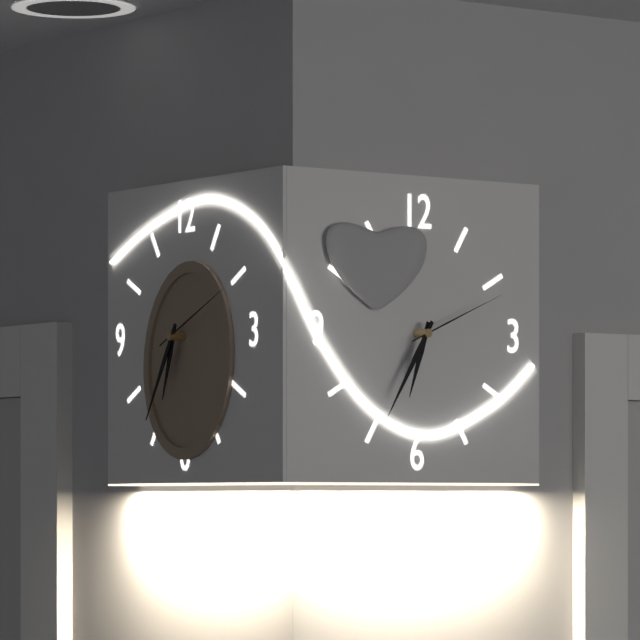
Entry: 6.35.11
